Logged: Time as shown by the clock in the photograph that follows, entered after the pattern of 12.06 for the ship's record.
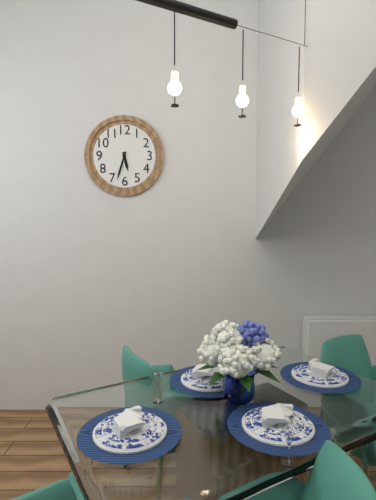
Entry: 5.33
